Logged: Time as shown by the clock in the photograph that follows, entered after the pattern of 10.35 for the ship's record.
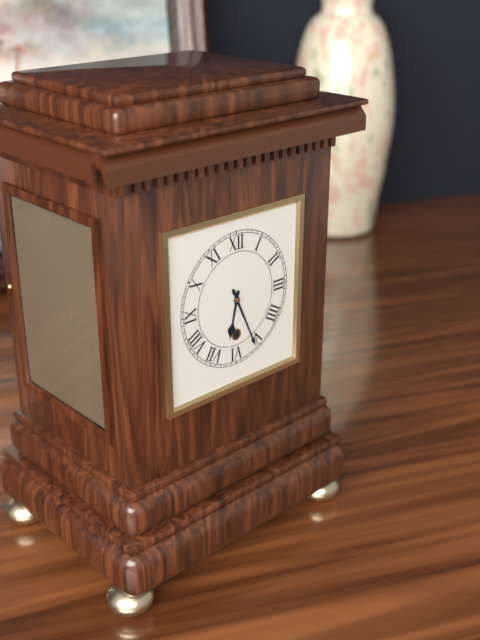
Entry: 6.26
